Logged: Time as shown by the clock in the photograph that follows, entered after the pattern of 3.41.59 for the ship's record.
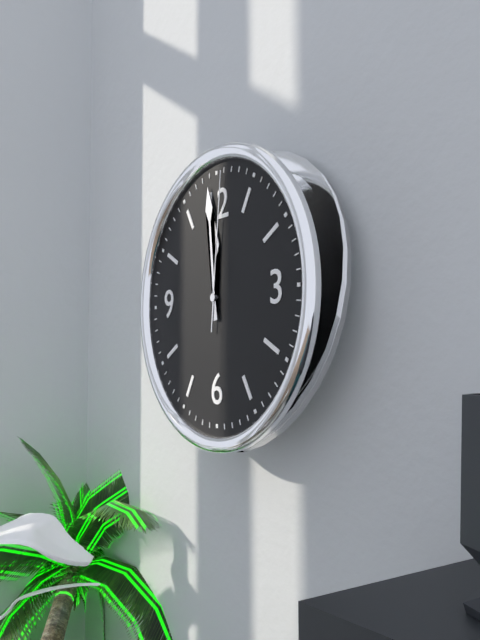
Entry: 11.59.01
